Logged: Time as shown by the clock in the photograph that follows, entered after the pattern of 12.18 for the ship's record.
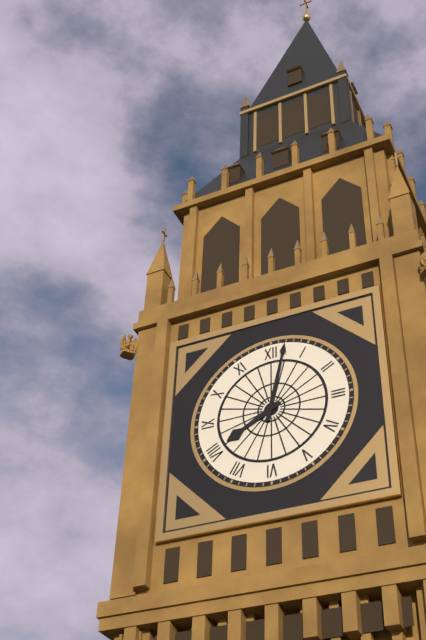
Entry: 8.02
